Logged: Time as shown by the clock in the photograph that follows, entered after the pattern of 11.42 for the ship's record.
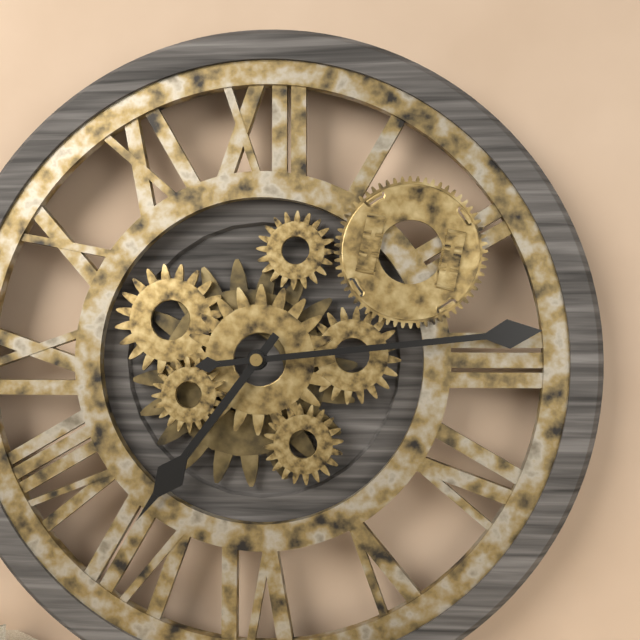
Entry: 7.14
